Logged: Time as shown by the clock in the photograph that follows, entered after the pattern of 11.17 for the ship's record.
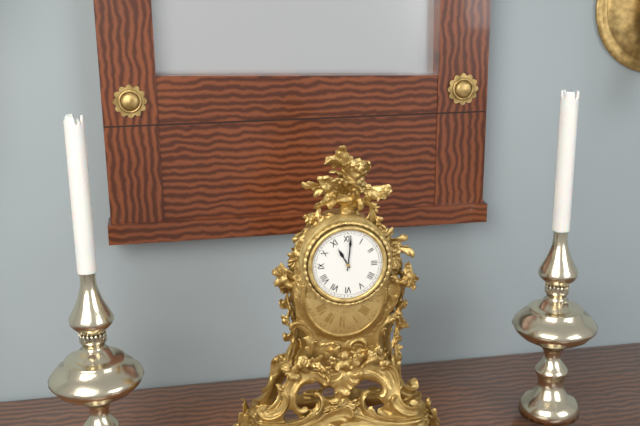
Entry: 11.01
